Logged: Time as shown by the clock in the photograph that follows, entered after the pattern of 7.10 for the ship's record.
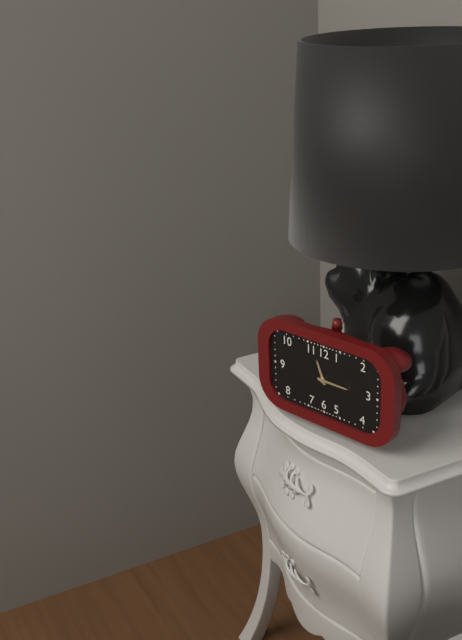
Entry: 11.15
